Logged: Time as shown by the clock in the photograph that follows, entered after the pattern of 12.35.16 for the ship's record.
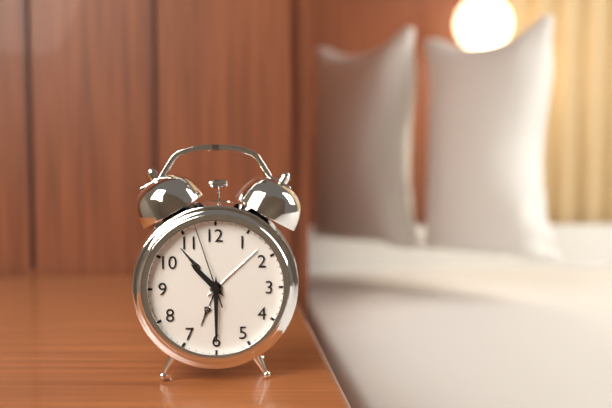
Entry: 10.30.57
